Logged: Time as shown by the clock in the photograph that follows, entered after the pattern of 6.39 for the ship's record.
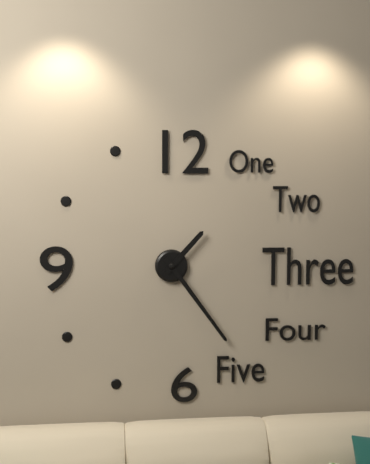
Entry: 1.24
